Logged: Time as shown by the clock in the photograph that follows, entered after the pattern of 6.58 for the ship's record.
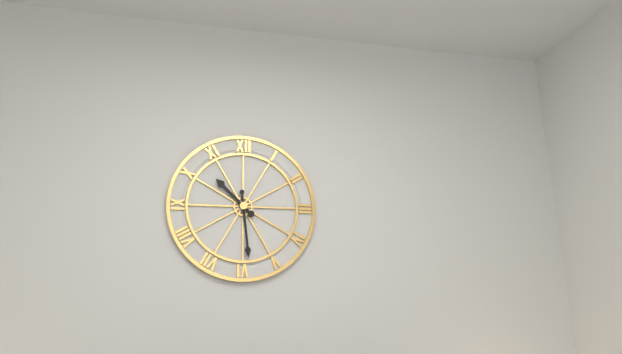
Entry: 10.29
